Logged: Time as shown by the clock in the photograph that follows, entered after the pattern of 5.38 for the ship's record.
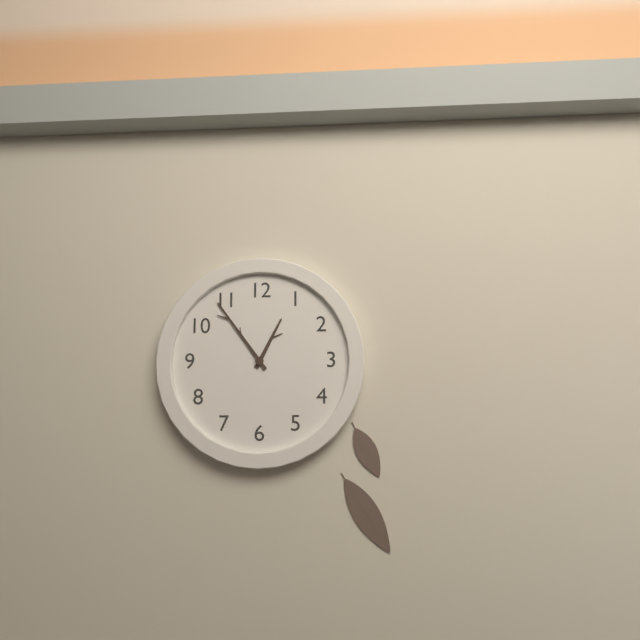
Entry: 12.54
